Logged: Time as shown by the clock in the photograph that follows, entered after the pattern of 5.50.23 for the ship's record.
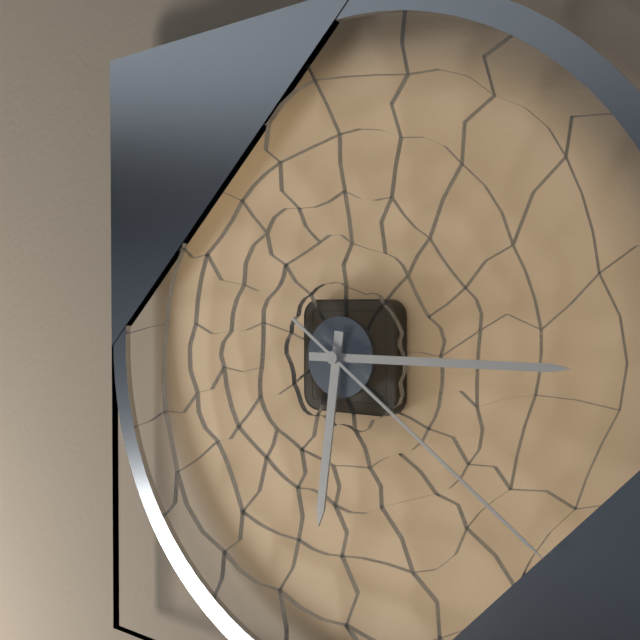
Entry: 6.15.21
